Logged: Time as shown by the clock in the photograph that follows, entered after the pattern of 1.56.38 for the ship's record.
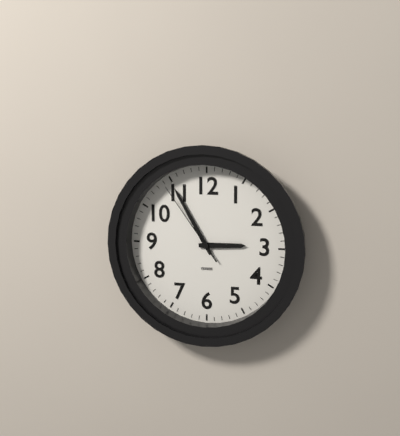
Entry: 2.55.54
